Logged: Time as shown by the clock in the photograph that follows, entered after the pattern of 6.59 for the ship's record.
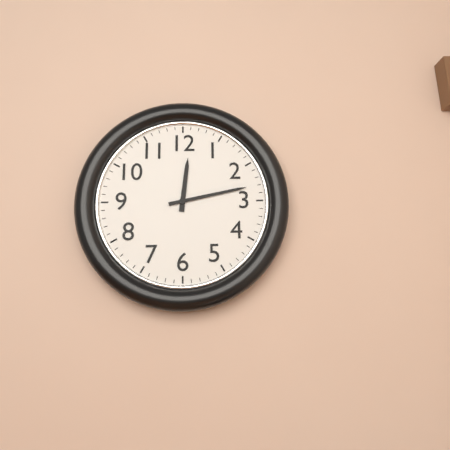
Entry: 12.13
